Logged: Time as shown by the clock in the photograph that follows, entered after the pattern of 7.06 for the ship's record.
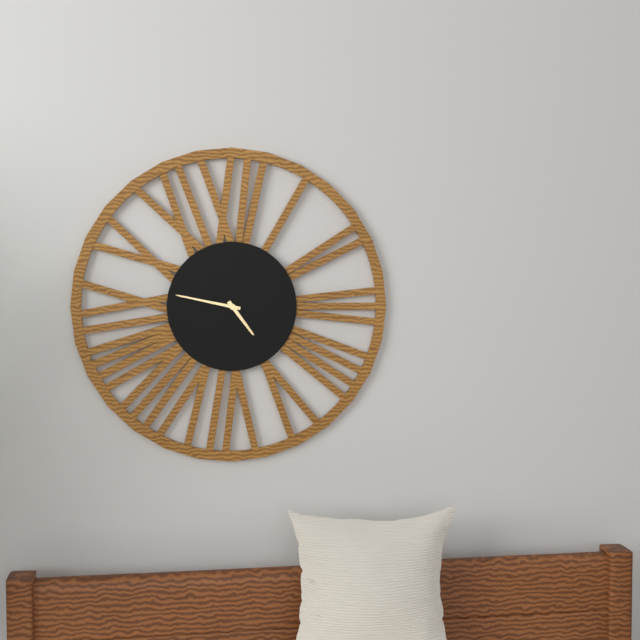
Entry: 4.47
